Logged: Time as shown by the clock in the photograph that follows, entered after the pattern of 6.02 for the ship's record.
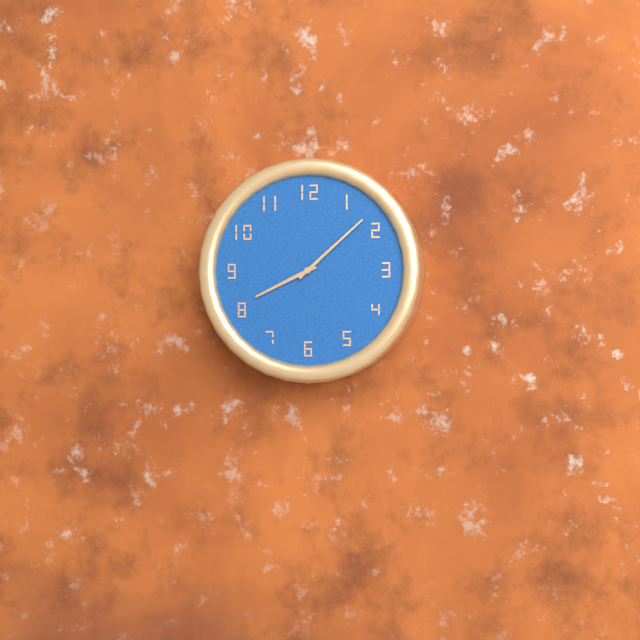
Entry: 8.08
